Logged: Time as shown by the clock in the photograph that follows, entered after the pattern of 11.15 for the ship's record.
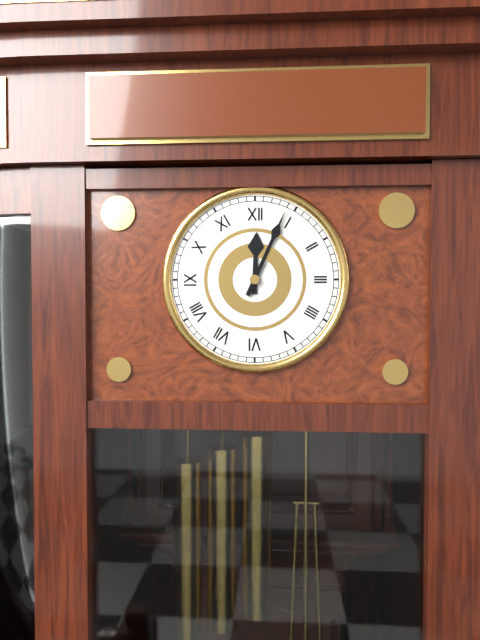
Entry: 12.04
